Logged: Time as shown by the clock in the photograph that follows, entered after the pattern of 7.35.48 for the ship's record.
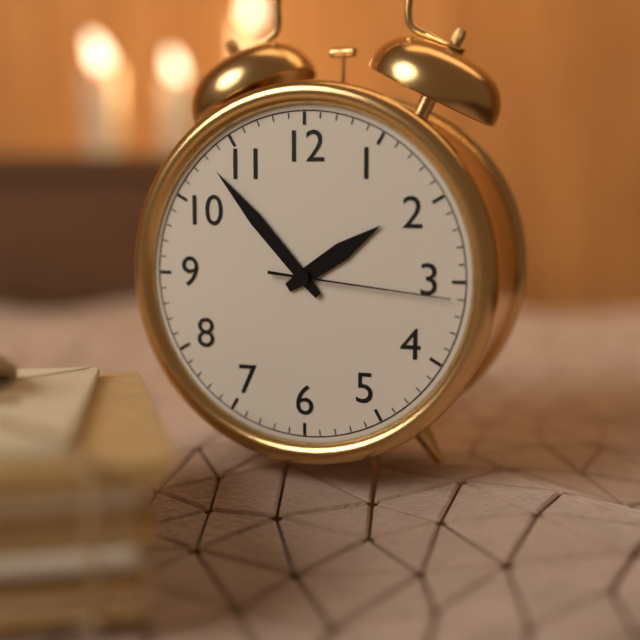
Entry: 1.53.16
